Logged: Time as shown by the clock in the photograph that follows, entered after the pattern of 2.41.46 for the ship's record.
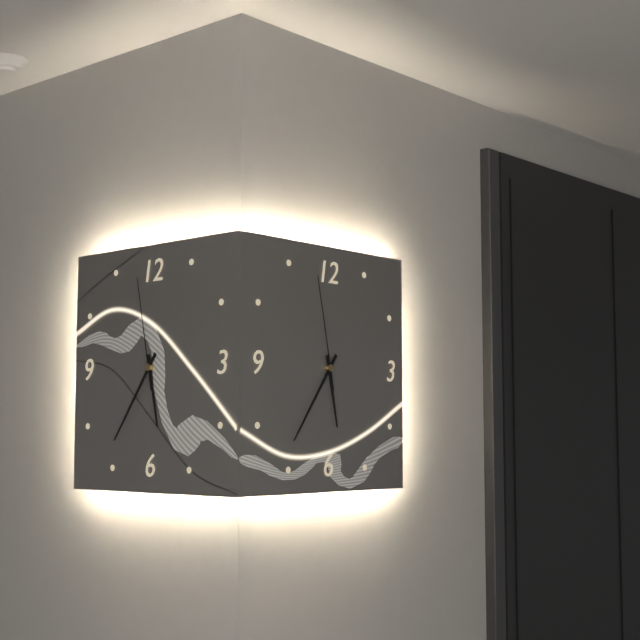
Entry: 5.36.58
